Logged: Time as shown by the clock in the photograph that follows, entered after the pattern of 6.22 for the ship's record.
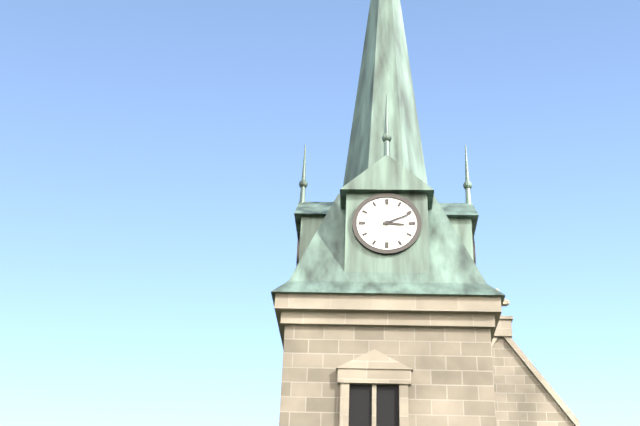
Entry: 3.11
